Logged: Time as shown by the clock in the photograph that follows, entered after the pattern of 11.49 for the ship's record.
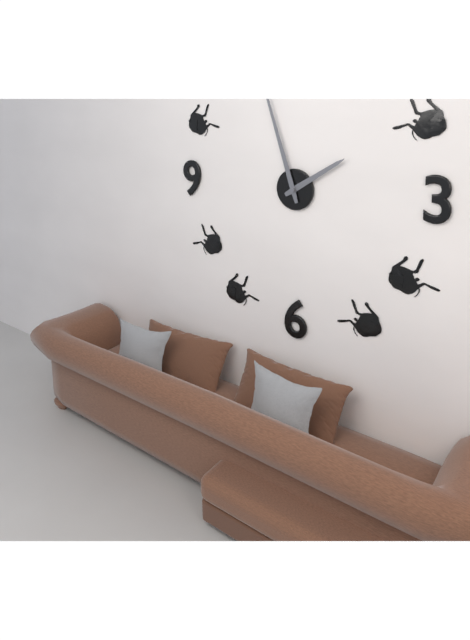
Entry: 1.57
